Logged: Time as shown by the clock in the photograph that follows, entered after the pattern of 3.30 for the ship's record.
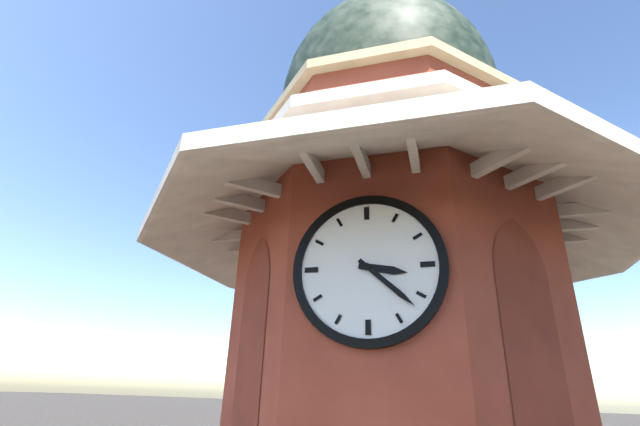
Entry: 3.22
